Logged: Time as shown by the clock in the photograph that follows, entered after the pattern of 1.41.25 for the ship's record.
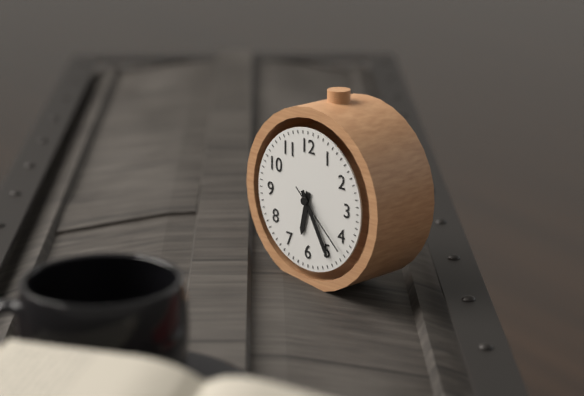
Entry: 6.25.22
